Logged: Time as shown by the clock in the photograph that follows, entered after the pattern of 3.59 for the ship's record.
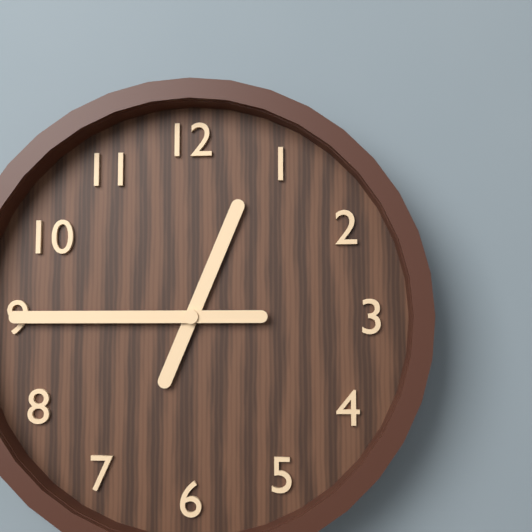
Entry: 12.45
